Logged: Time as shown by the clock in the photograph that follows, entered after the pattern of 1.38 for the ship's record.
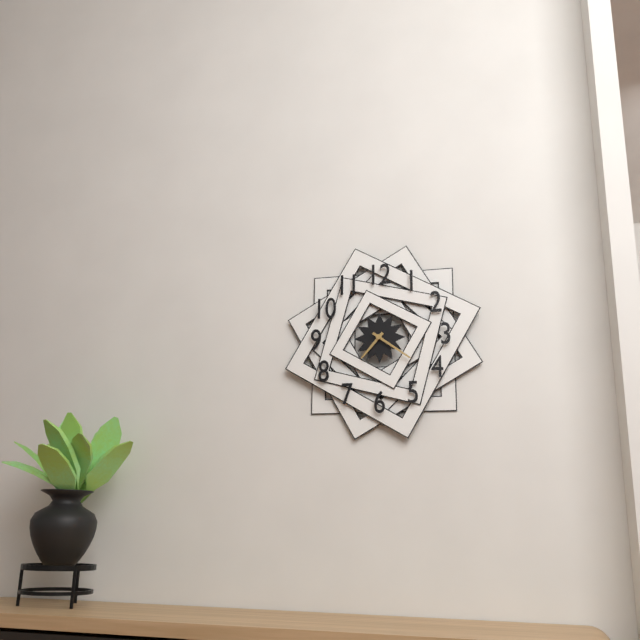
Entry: 7.21
